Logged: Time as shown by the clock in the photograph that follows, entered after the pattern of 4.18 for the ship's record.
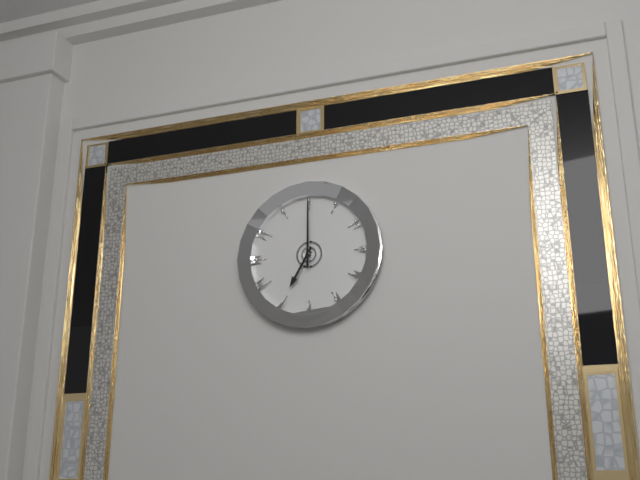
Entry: 7.00
